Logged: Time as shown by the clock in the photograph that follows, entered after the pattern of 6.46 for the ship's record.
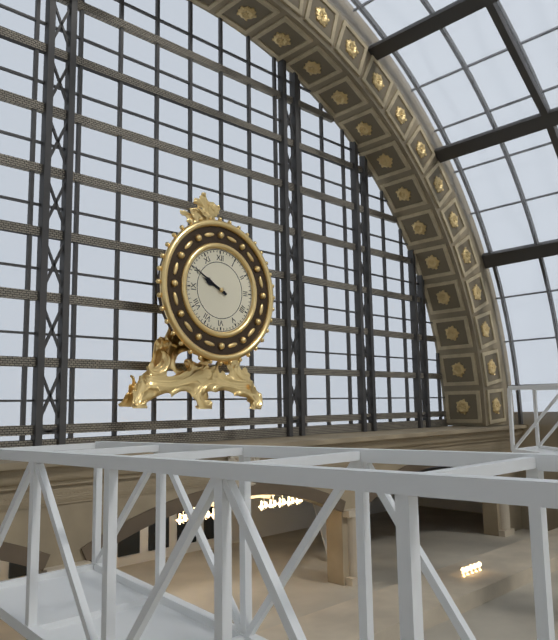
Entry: 9.50
